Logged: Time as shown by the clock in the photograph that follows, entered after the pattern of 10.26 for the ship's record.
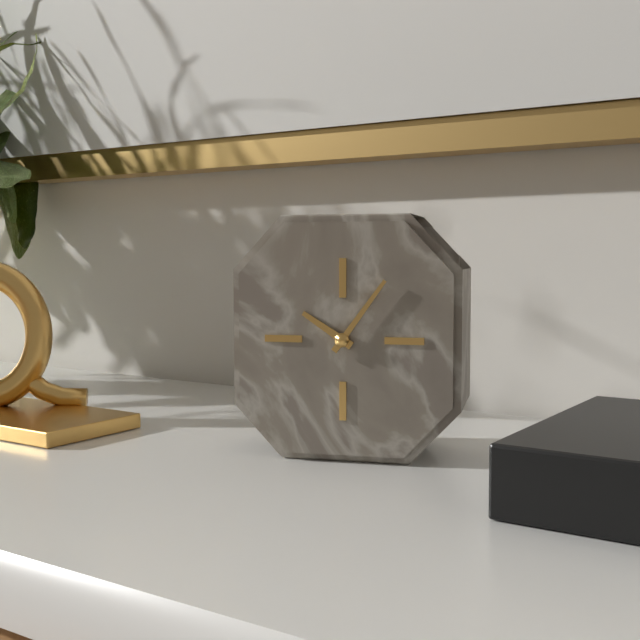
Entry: 10.06
